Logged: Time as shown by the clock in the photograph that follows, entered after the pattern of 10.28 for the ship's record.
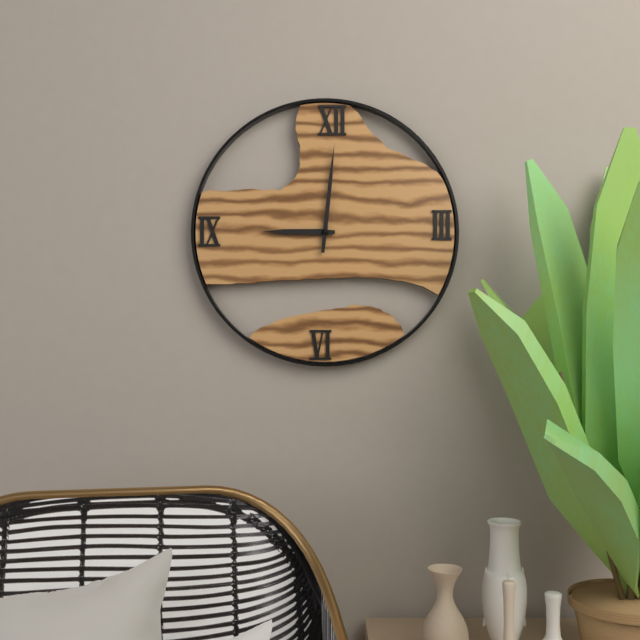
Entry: 9.01
